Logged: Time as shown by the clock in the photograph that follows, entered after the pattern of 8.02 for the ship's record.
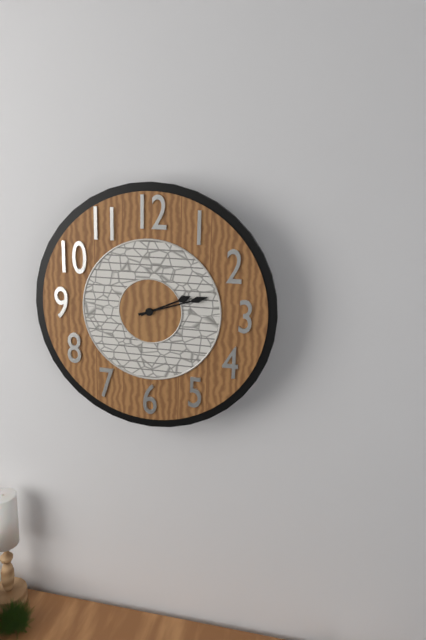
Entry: 2.12
